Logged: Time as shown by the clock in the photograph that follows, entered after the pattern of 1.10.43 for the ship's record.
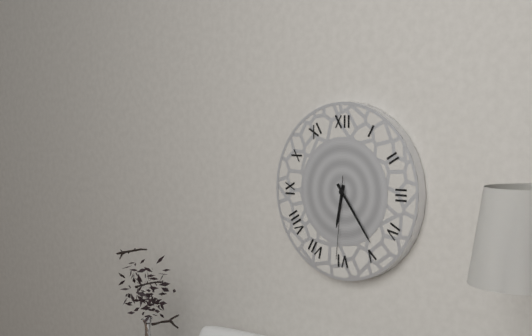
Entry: 6.24.31
